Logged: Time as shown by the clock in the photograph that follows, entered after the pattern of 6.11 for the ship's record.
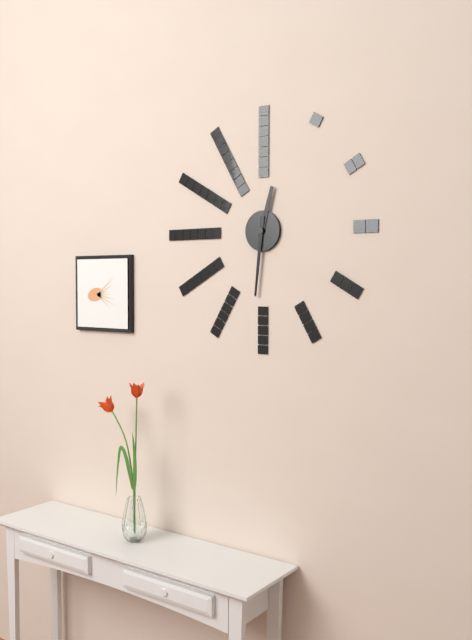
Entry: 12.31
